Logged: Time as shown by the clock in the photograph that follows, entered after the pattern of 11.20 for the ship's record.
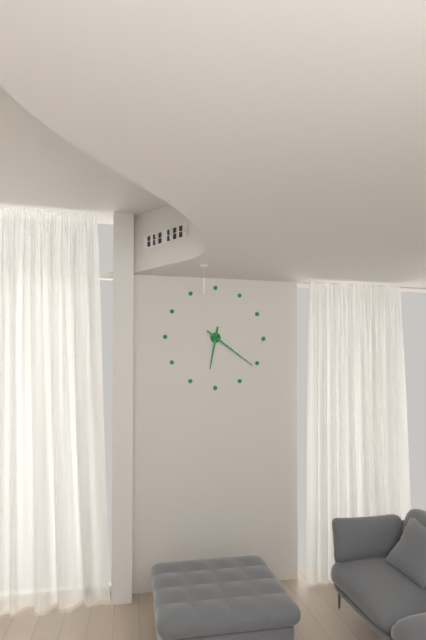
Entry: 6.21
